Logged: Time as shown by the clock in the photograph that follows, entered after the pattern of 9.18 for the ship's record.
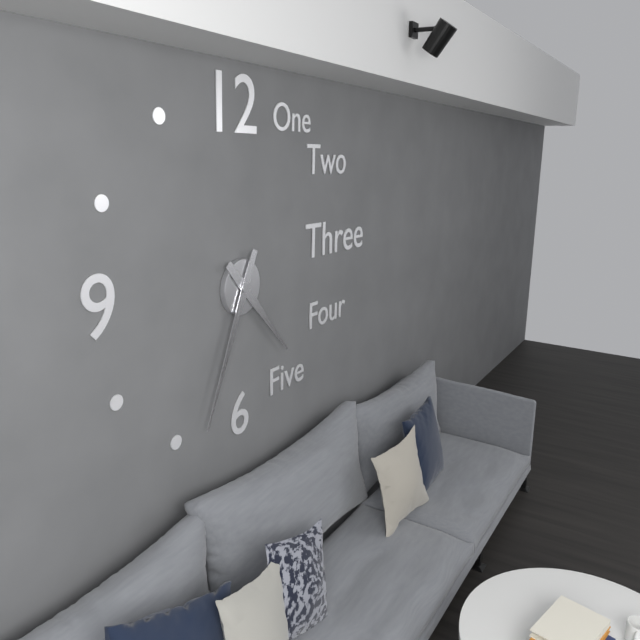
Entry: 4.34
